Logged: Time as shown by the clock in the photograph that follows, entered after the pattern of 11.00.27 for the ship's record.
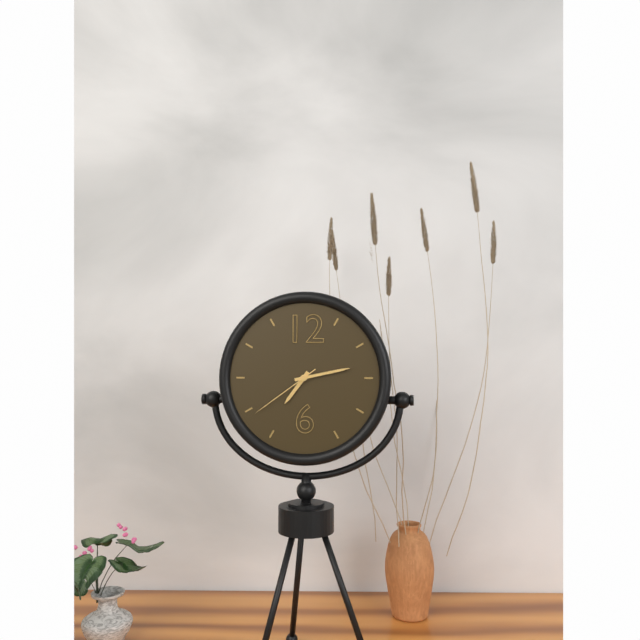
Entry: 7.13.39
